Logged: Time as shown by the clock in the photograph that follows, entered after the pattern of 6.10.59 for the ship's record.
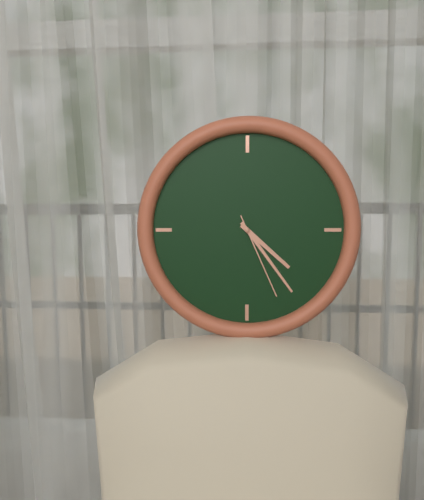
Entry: 4.24.26
